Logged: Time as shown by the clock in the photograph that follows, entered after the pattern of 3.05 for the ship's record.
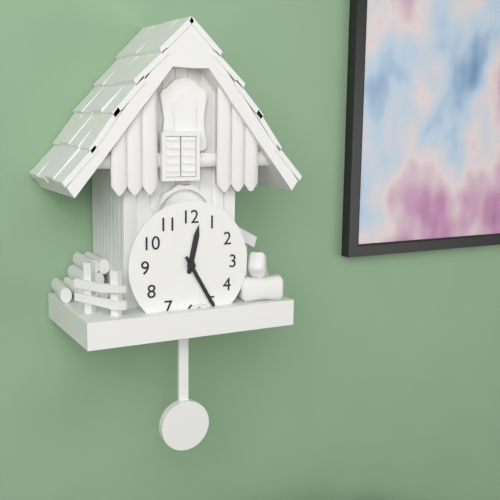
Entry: 12.25
